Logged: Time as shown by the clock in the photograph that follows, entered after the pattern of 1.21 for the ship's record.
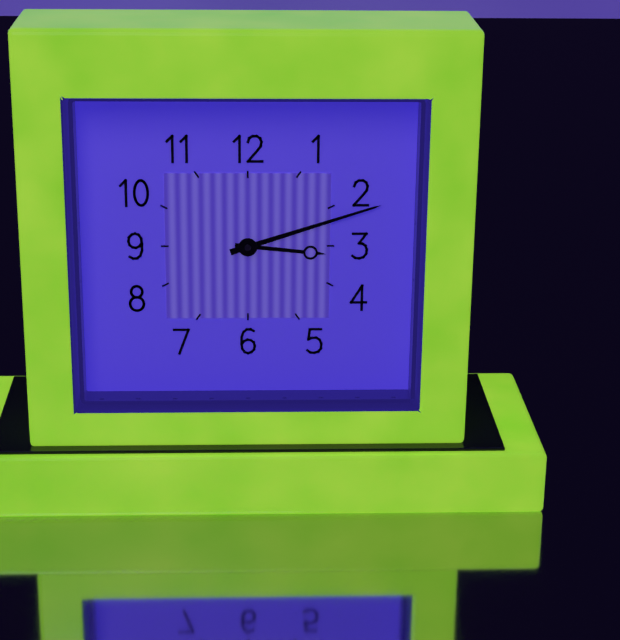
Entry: 3.12
